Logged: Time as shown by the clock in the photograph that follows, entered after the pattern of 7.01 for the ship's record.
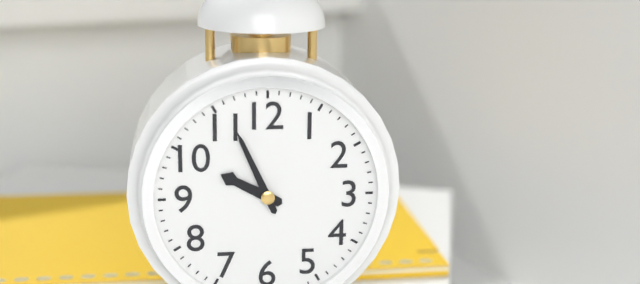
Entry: 9.56
